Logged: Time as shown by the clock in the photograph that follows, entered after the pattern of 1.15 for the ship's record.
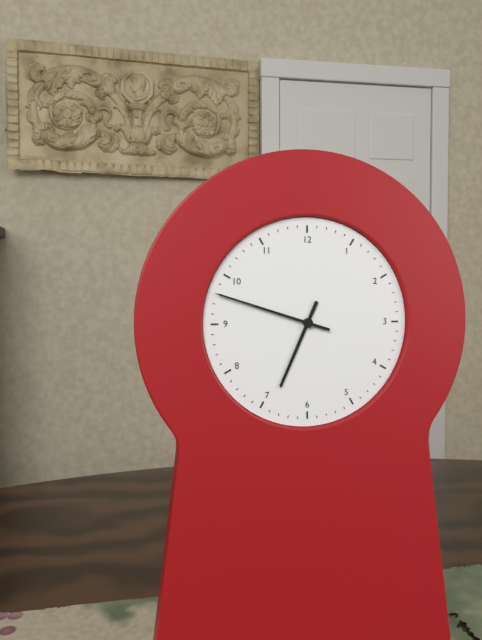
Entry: 6.48
